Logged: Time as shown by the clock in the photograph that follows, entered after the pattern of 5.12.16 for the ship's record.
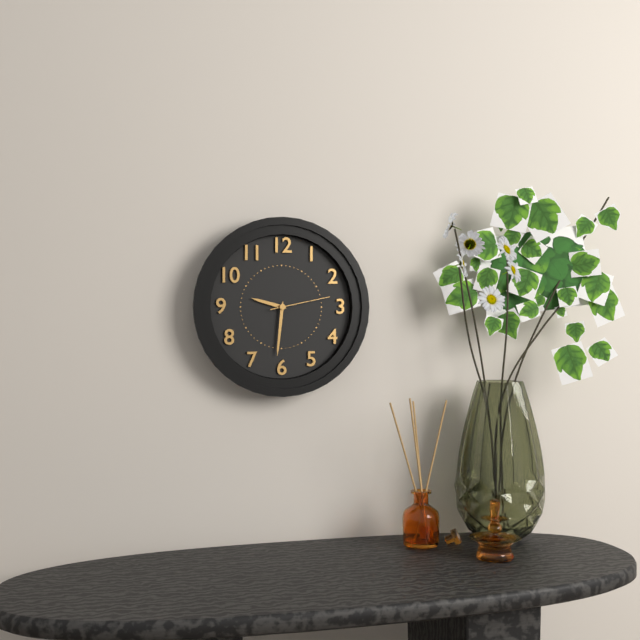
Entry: 9.31.13
